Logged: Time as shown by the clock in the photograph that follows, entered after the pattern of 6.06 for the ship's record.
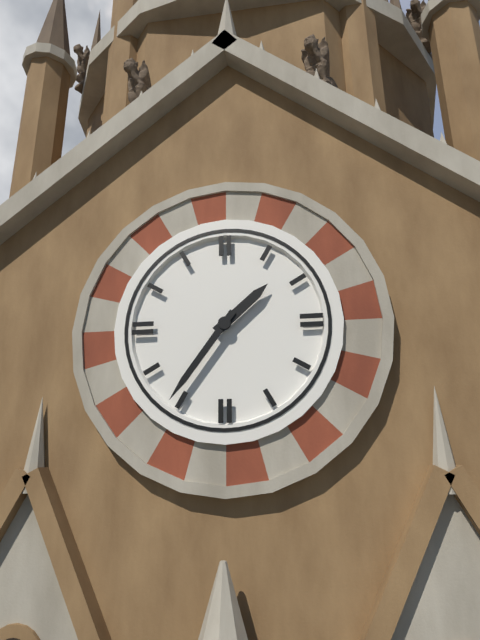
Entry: 1.36
